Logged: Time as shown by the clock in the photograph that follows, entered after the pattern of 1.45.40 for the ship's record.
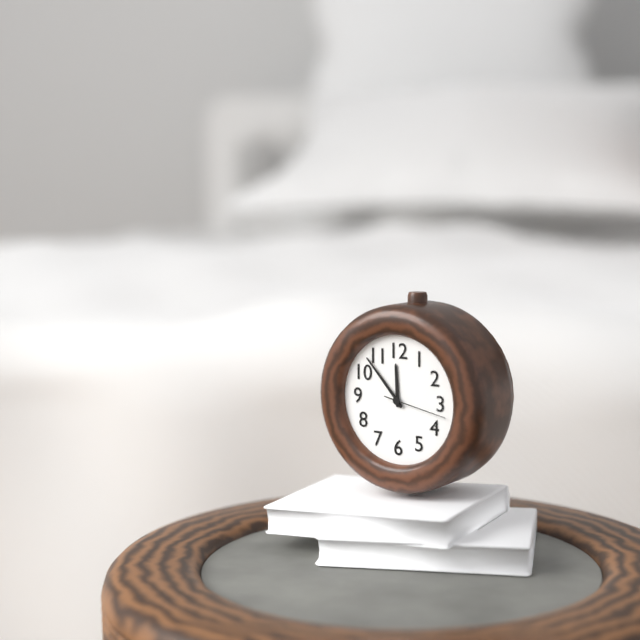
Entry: 11.53.17
